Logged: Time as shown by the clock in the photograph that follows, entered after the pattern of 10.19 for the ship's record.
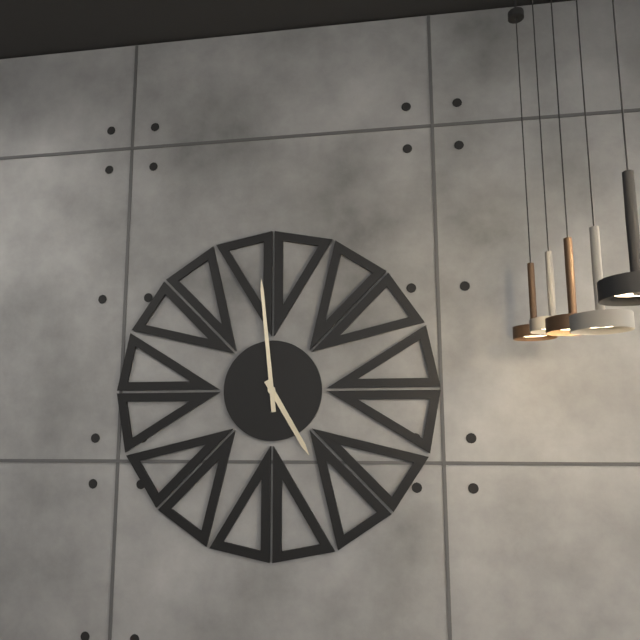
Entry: 4.59
